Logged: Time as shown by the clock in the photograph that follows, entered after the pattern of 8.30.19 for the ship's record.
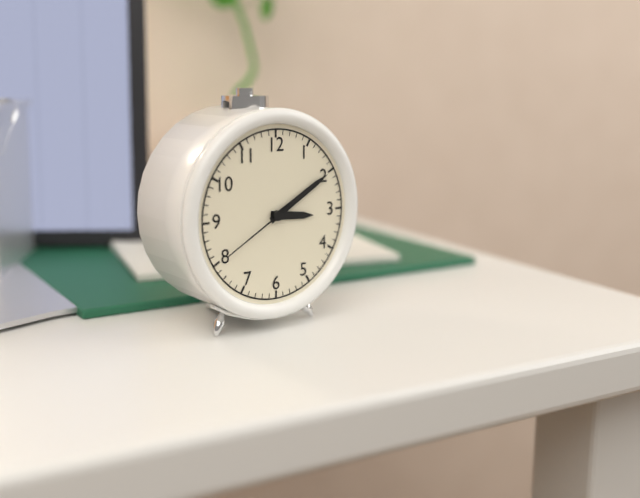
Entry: 3.10.40
